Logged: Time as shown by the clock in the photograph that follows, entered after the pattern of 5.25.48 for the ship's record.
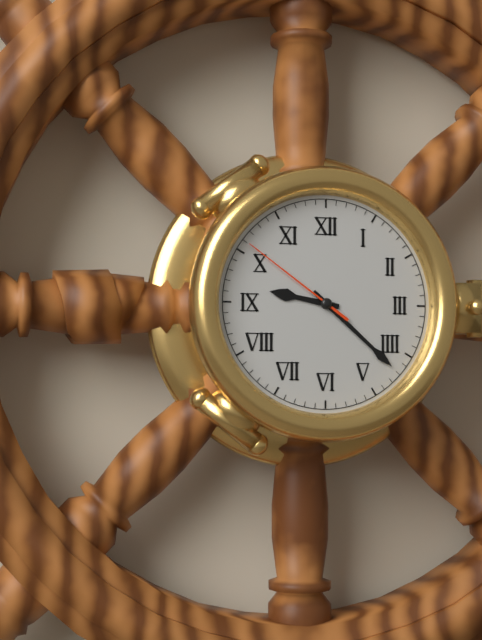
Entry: 9.22.51
